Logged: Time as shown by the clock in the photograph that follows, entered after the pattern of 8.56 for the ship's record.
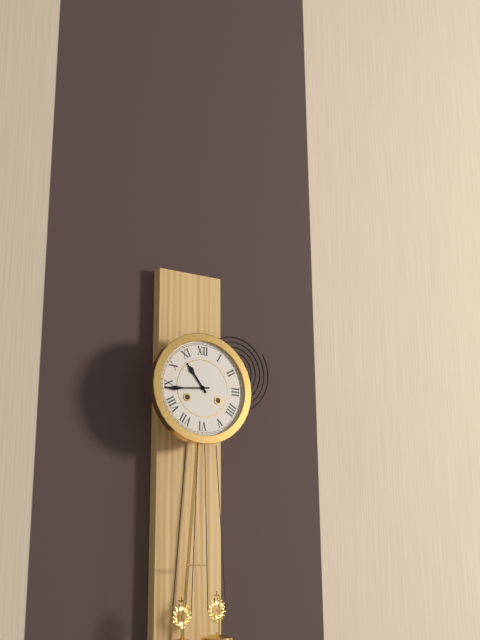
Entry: 10.44
